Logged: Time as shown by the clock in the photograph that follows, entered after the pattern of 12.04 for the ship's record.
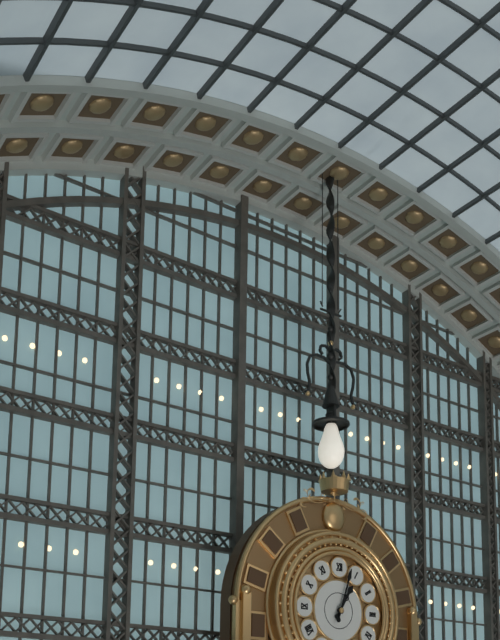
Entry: 1.03
